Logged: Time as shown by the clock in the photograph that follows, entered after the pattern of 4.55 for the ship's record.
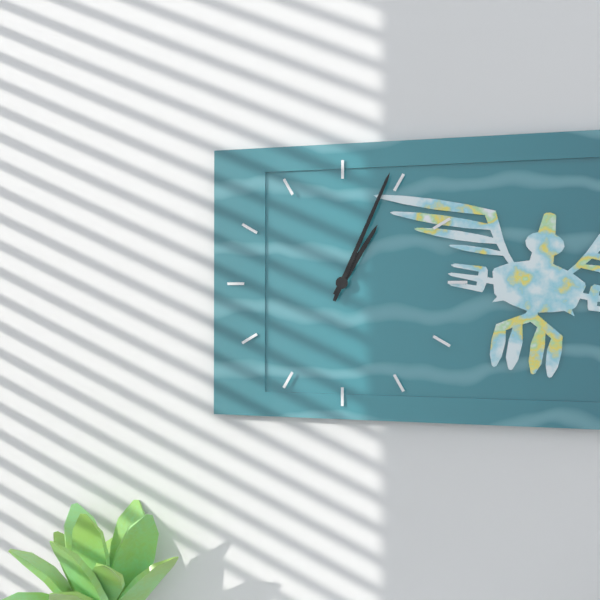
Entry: 1.04
